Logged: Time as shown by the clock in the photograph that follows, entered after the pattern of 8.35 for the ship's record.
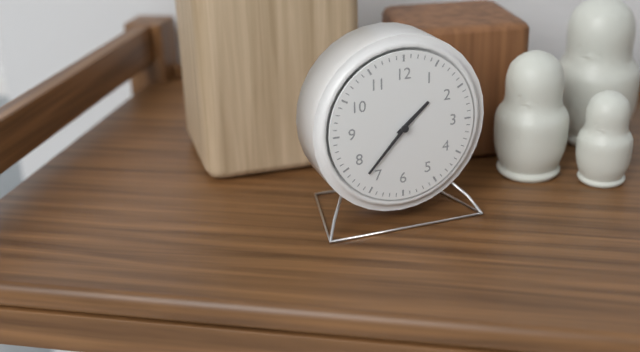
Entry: 1.37
